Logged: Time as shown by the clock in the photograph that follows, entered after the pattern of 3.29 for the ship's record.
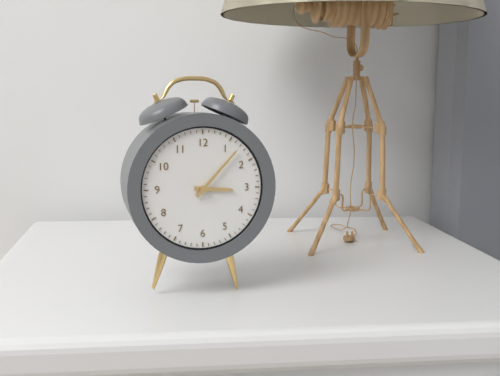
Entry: 3.07
